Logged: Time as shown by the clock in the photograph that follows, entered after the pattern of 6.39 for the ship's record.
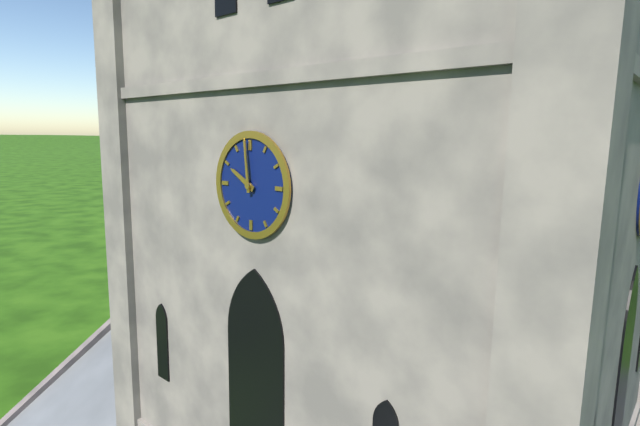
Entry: 9.59
